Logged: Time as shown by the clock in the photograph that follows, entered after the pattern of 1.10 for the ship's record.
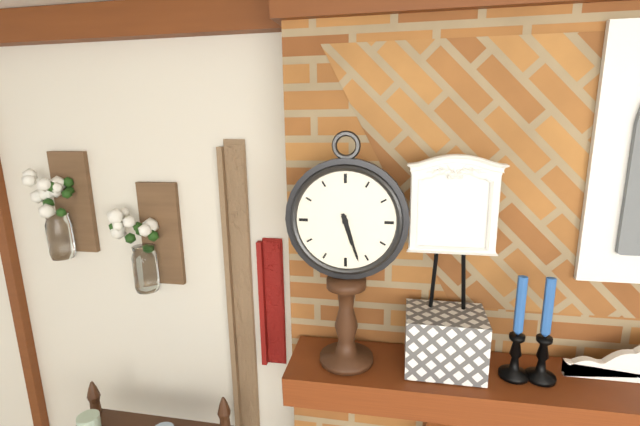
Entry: 5.27
